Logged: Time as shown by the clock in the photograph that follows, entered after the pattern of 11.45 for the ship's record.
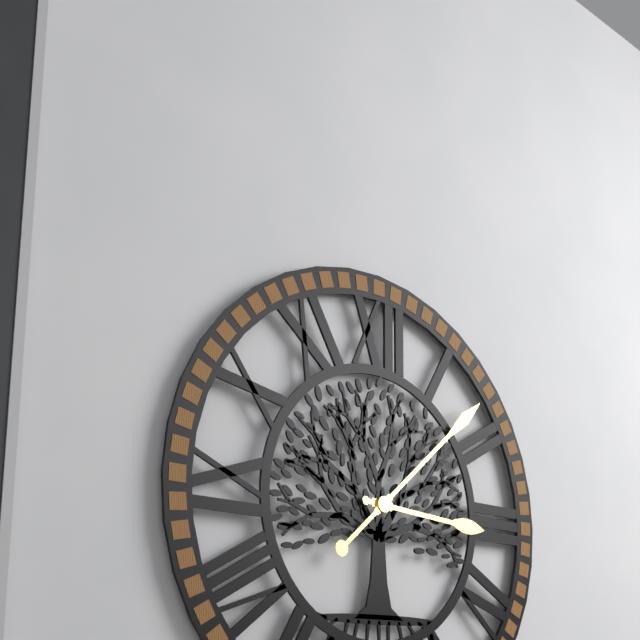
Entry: 3.08
